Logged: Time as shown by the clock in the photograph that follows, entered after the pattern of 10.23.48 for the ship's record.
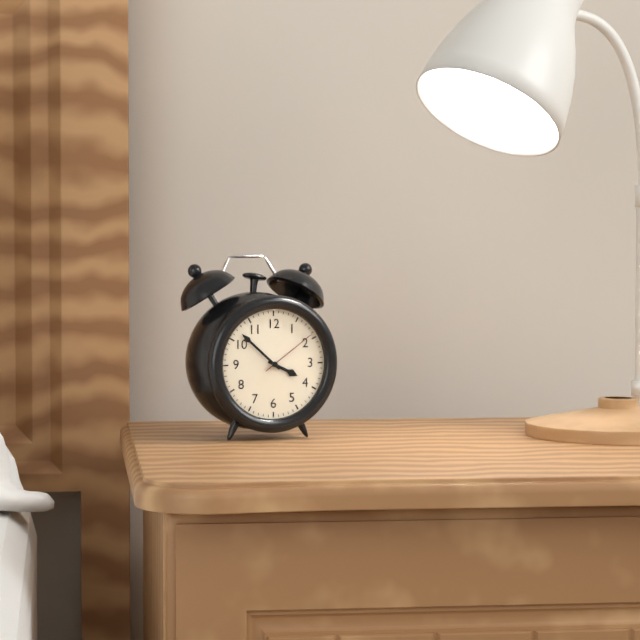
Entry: 3.52.09
